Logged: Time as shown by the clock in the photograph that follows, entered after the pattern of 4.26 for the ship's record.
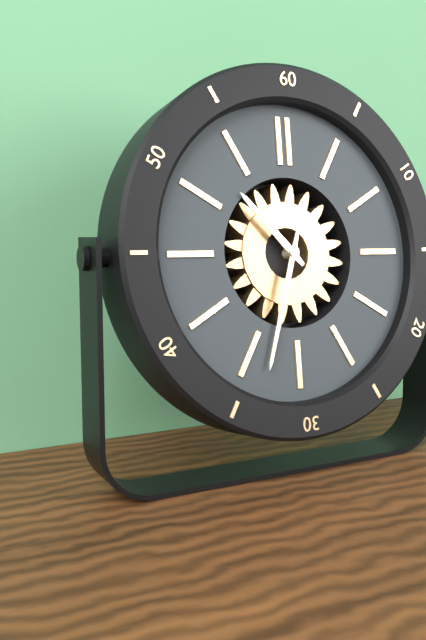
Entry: 10.33
